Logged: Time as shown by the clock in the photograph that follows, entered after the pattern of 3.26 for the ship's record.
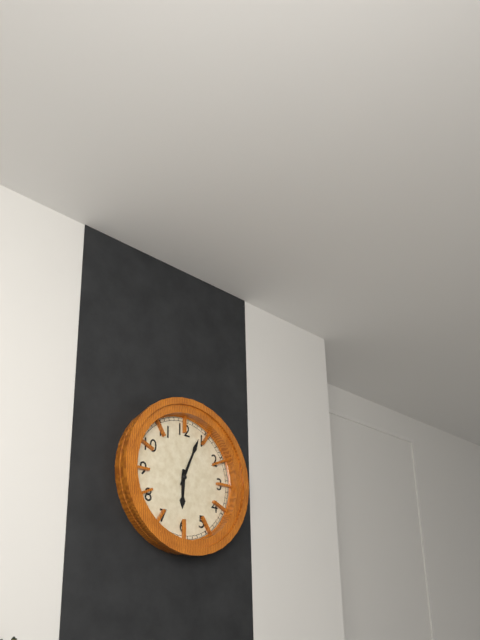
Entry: 6.04
